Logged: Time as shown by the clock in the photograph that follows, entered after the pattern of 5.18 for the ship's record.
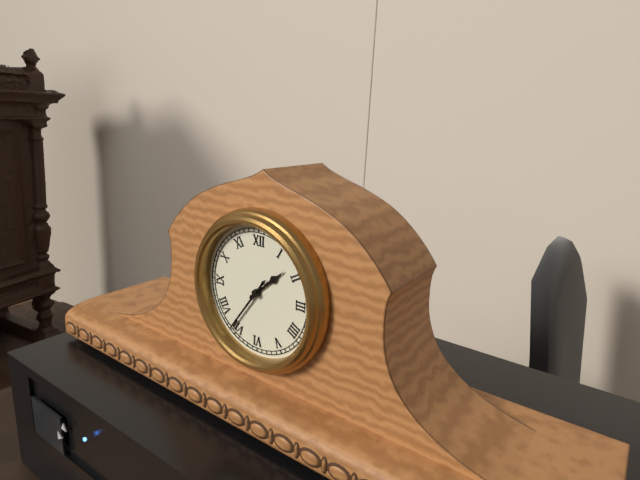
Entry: 1.36
